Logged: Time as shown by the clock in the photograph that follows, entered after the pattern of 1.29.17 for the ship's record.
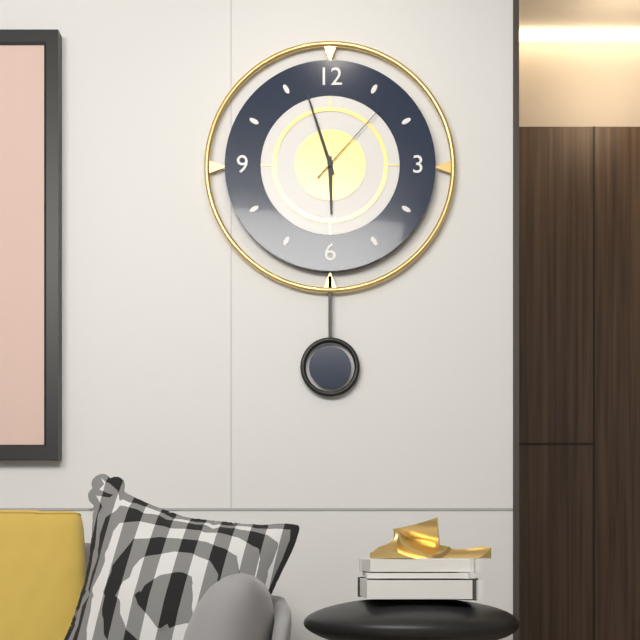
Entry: 5.57.07
